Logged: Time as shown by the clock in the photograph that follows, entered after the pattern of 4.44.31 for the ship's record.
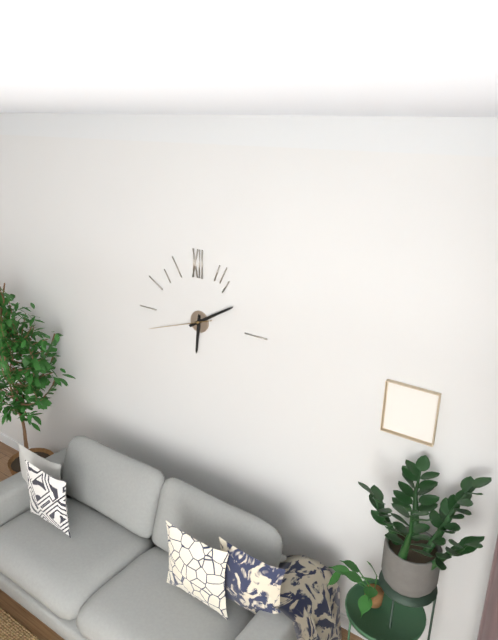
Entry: 6.10.42
